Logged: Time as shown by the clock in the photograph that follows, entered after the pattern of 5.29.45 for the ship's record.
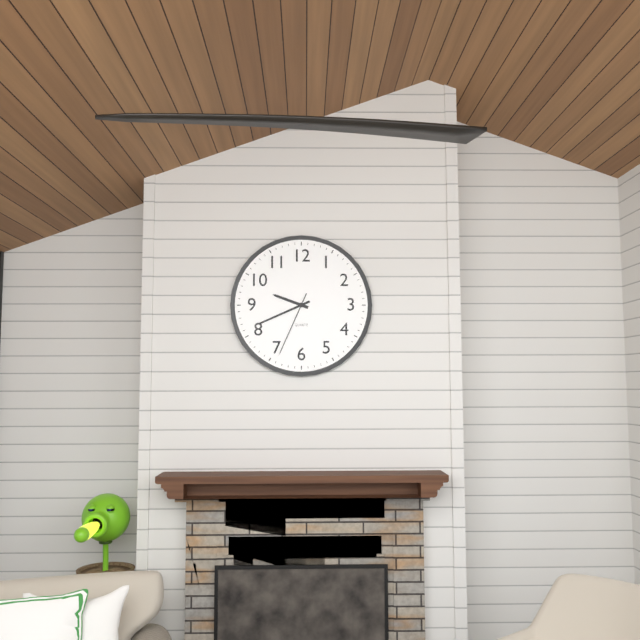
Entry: 9.41.34
